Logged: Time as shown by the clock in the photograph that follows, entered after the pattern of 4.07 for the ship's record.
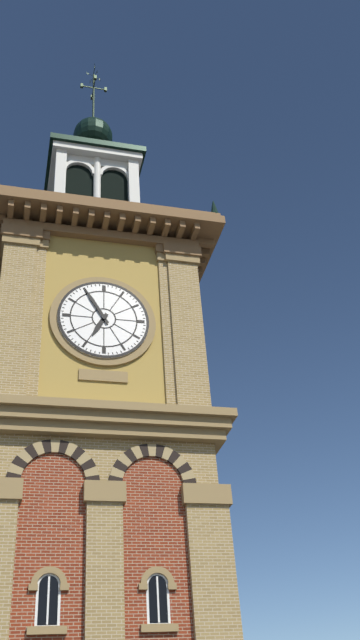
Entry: 6.55
